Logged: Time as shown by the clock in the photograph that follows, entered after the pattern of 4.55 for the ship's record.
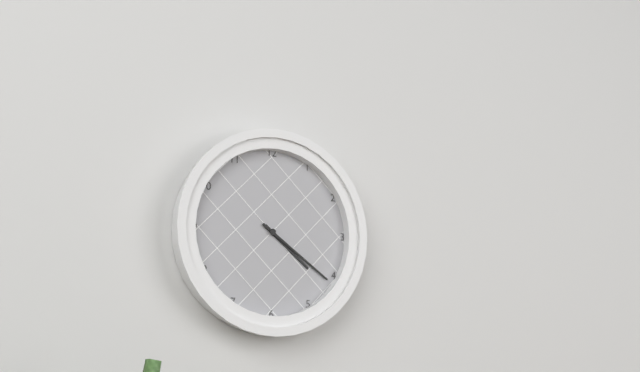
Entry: 4.21
